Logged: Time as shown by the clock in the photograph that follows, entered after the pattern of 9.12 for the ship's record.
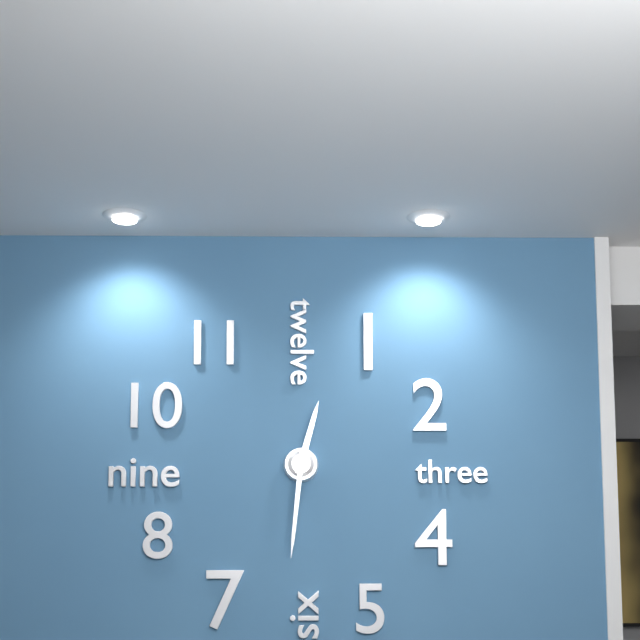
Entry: 12.31
